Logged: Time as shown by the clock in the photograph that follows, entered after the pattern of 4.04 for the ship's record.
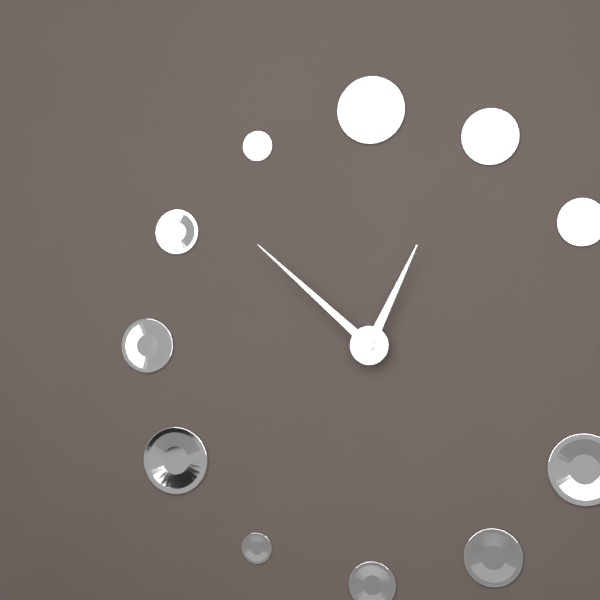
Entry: 12.52
